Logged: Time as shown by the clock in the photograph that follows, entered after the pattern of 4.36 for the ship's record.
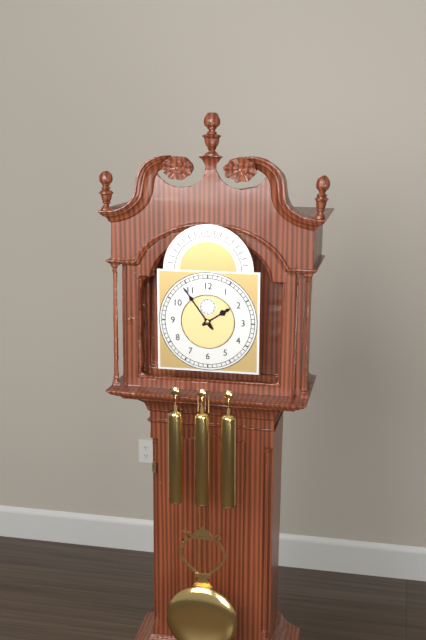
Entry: 1.54
